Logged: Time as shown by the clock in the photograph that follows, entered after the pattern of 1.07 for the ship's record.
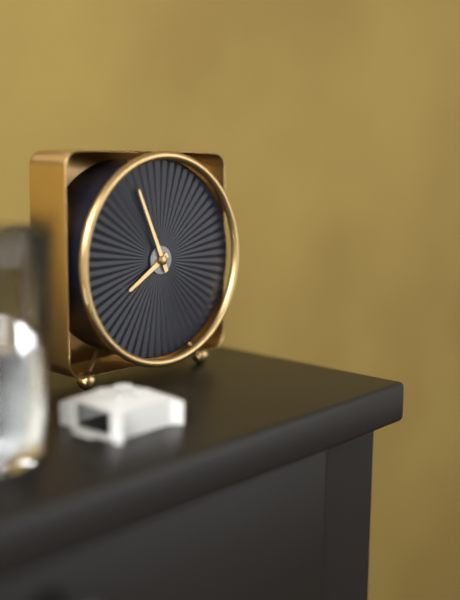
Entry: 7.56
